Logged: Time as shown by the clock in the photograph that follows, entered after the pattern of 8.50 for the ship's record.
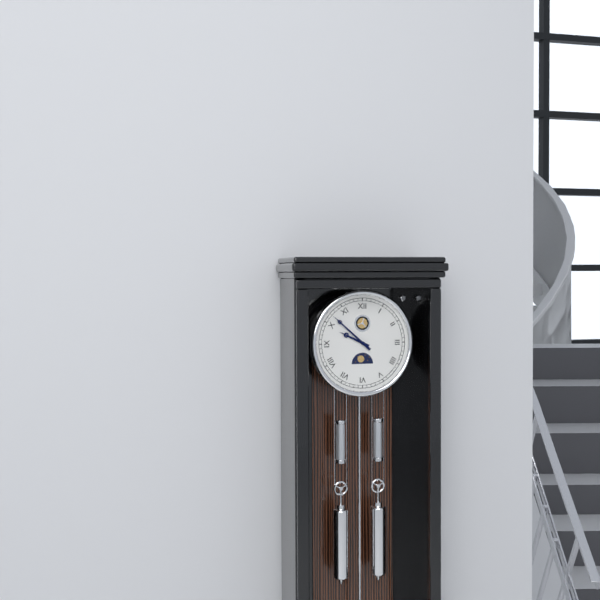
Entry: 9.52
